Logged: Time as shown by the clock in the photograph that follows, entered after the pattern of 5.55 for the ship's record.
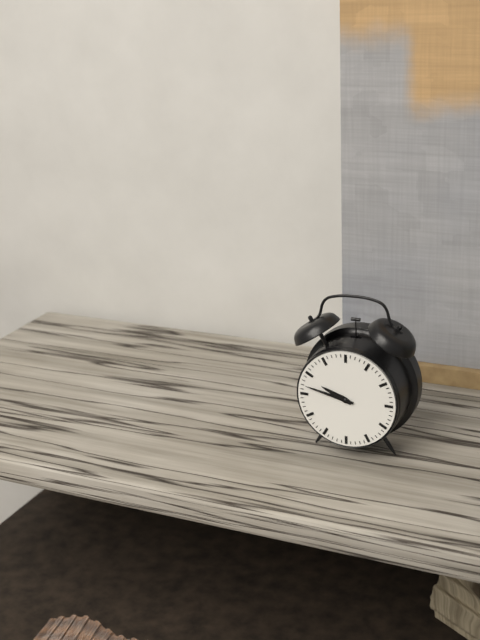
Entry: 9.47
